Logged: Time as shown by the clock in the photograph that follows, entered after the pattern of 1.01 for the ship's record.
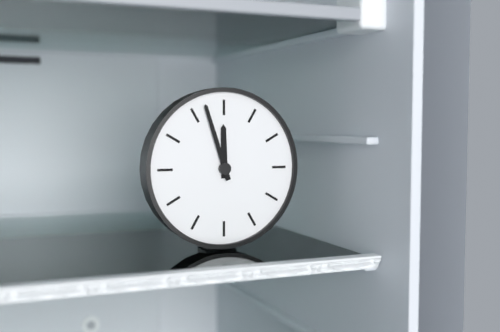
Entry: 11.57
